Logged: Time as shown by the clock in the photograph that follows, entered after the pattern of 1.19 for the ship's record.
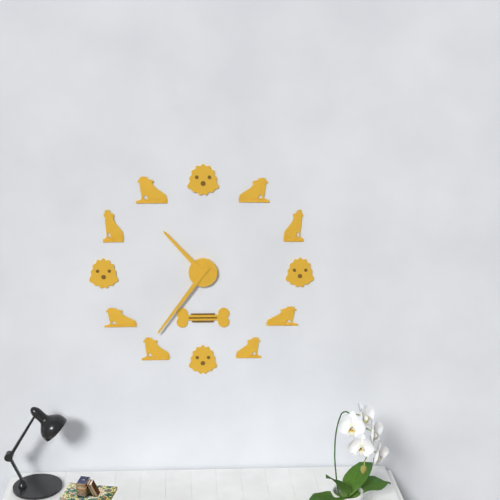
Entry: 10.36
